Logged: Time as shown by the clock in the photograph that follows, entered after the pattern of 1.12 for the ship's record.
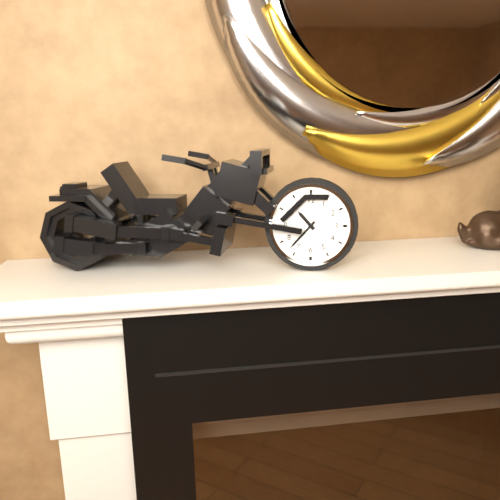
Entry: 10.37
